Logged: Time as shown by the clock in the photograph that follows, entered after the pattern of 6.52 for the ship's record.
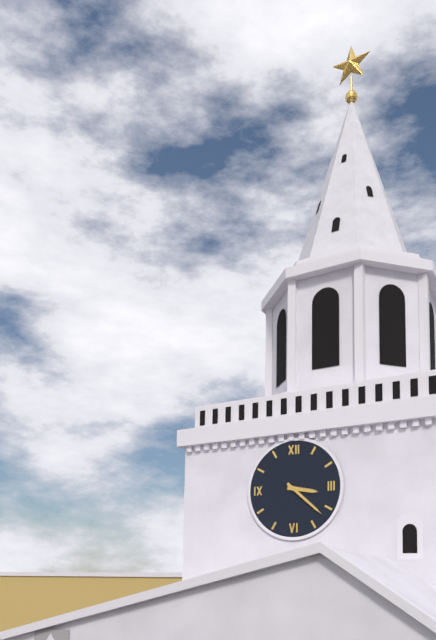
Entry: 3.22
